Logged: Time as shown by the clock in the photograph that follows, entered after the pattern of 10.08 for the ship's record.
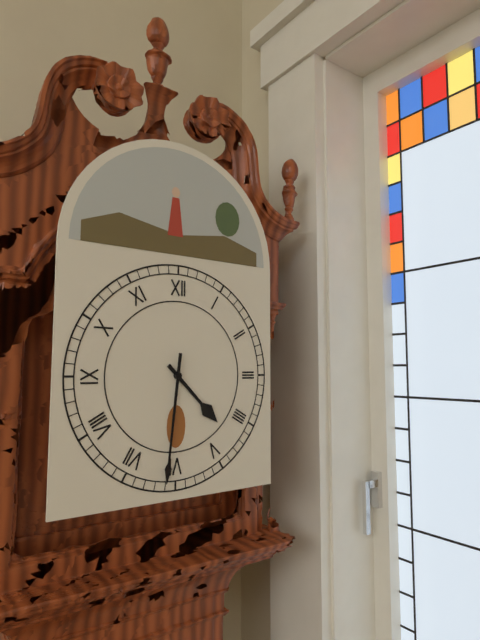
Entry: 4.31
